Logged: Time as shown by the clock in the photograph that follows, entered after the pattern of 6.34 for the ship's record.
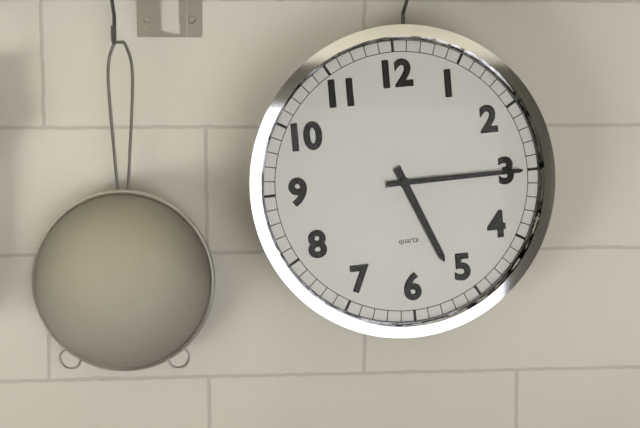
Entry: 5.15
